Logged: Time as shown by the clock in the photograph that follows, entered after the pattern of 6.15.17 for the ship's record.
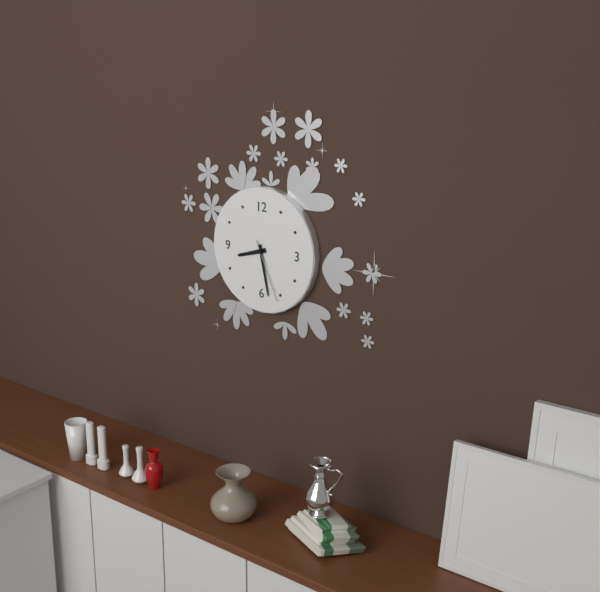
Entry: 8.28.26
